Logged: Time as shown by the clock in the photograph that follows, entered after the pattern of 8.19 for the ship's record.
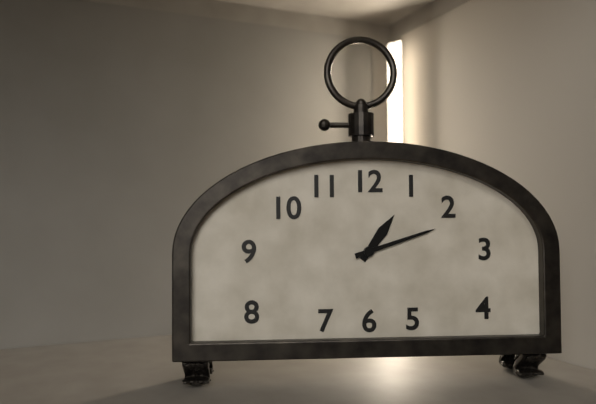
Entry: 1.12
